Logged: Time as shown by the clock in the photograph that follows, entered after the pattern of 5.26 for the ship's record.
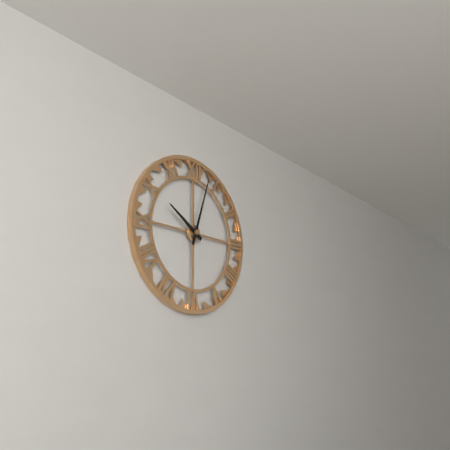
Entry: 10.03
